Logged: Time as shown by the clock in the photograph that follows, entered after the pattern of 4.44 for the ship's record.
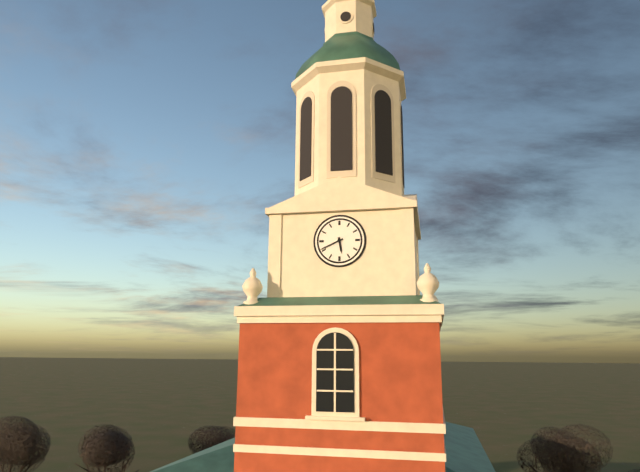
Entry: 5.41
